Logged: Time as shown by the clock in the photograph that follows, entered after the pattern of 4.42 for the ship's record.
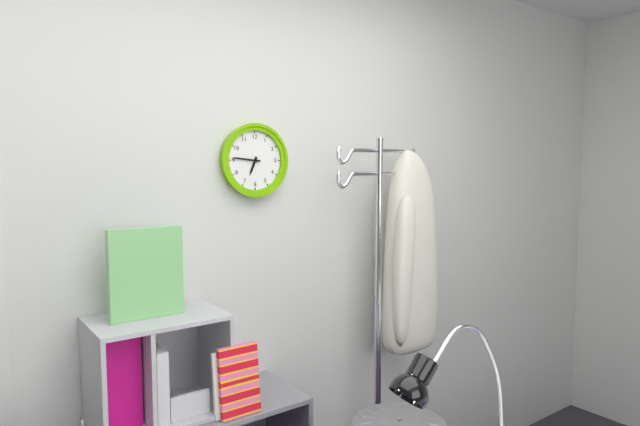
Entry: 6.46
